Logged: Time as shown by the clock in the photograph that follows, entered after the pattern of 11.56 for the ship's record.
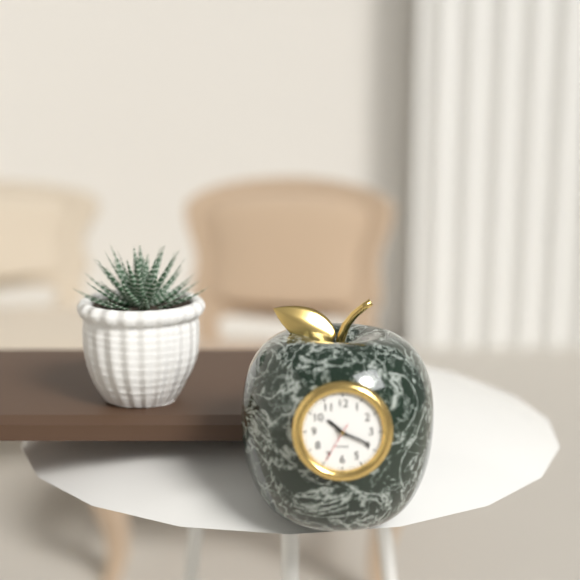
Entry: 10.19
